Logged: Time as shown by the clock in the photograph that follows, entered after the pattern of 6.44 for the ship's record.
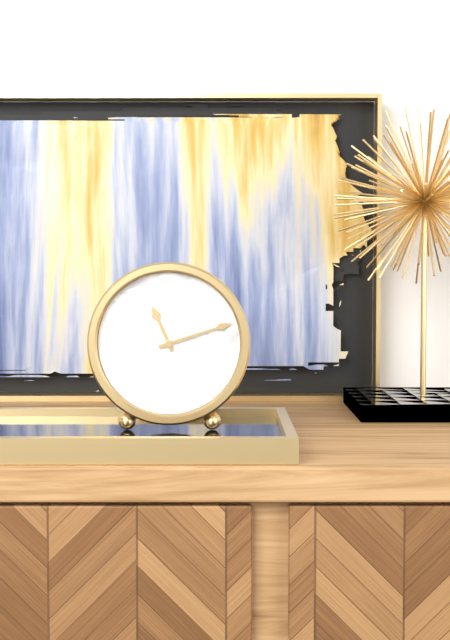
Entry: 11.12
